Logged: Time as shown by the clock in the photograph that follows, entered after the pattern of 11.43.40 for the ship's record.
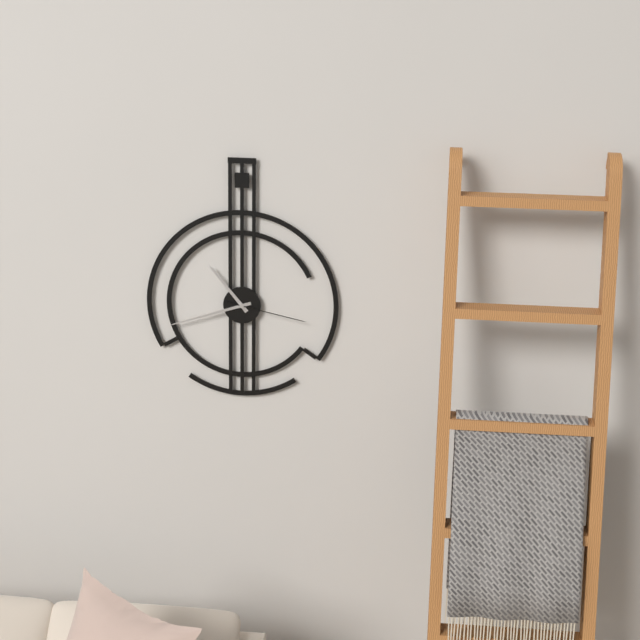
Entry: 10.42.17
